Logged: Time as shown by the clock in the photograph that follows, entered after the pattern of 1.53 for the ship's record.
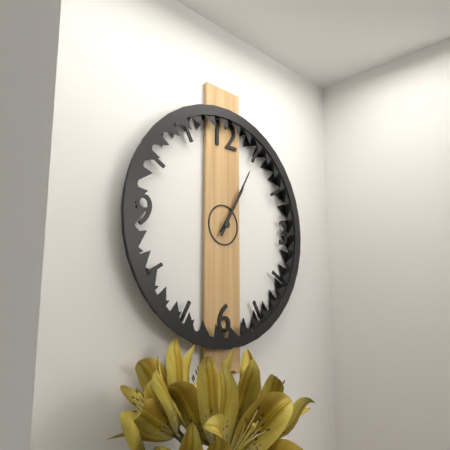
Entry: 1.05
